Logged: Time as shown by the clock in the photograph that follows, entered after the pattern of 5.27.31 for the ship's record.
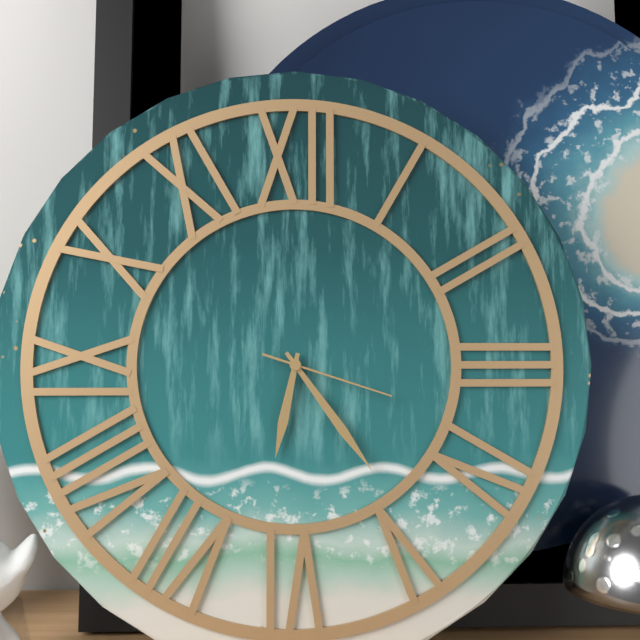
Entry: 6.24.18
